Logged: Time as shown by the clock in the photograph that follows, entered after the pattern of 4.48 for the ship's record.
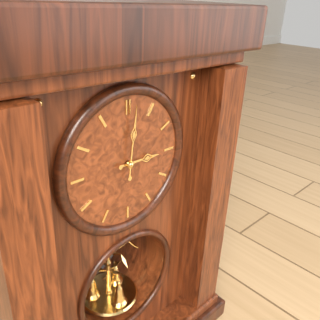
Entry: 3.01
